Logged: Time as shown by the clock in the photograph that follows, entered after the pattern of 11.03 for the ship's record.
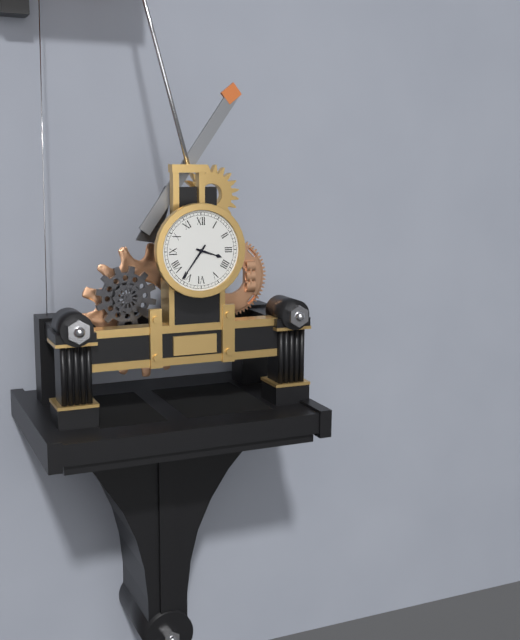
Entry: 3.36
